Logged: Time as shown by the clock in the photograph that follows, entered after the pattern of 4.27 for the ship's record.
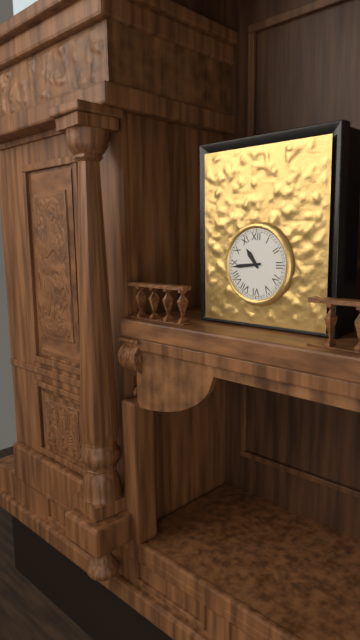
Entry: 10.44
